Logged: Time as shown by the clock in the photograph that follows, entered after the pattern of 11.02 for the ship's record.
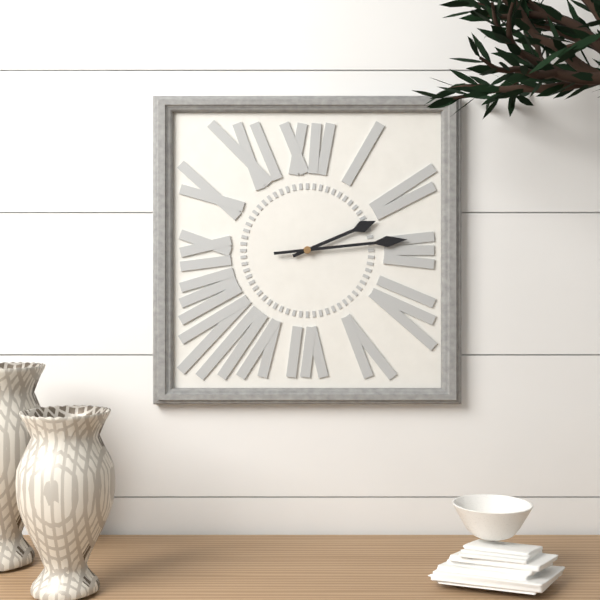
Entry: 2.14
